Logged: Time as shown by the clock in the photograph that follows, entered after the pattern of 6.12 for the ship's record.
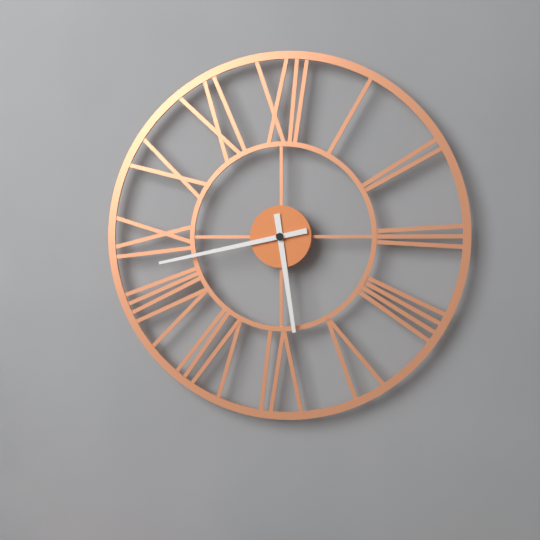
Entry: 5.43
